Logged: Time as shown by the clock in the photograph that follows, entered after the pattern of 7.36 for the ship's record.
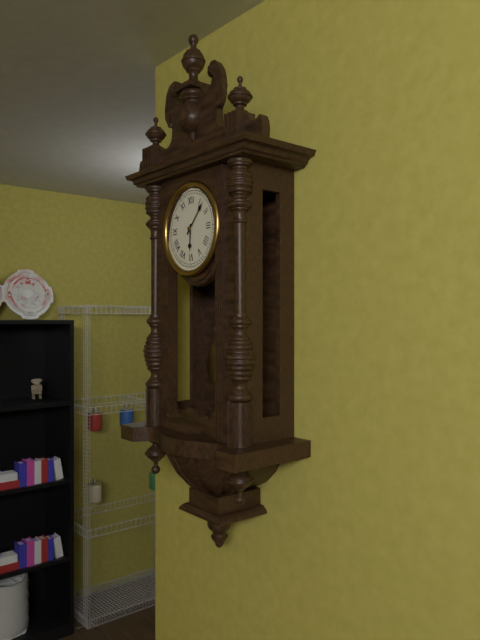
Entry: 6.07
